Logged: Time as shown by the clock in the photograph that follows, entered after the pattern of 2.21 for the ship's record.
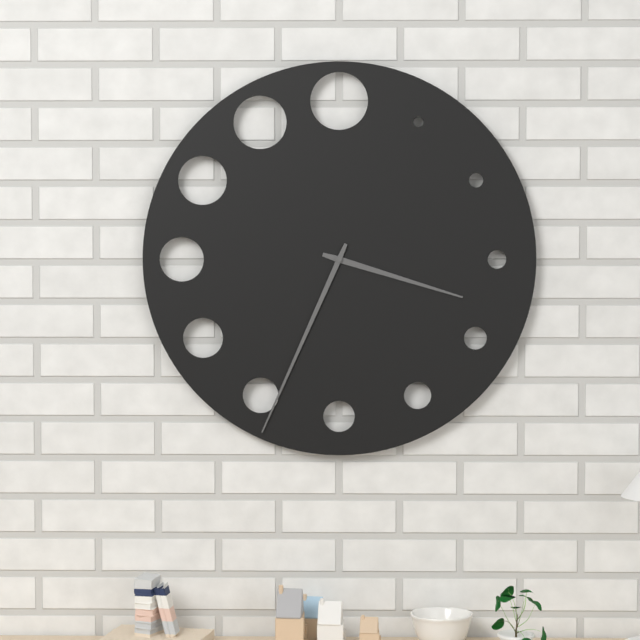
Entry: 3.34
